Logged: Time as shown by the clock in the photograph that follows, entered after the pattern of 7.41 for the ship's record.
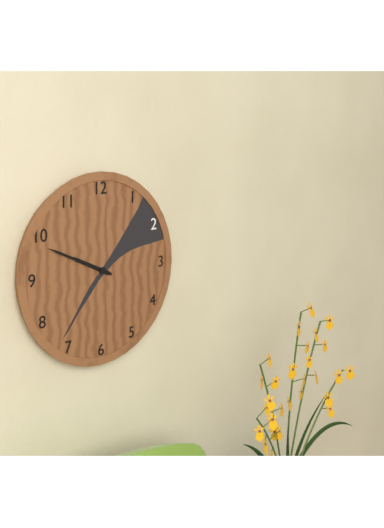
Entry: 9.49
